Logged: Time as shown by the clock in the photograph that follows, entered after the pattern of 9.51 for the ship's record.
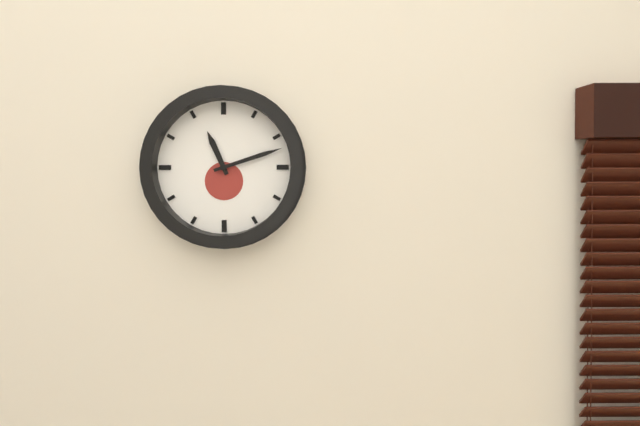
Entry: 11.12
